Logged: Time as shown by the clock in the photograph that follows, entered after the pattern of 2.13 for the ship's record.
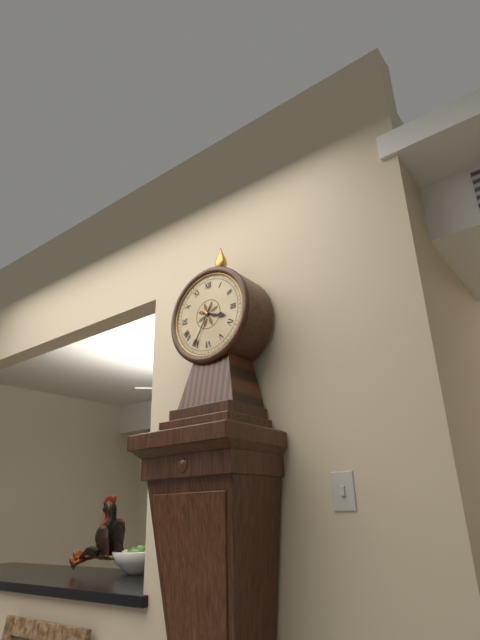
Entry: 3.35
